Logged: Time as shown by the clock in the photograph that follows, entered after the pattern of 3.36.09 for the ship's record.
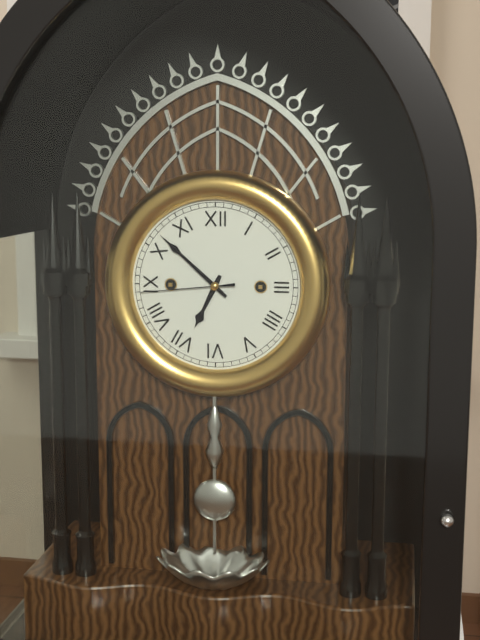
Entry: 6.52.44
